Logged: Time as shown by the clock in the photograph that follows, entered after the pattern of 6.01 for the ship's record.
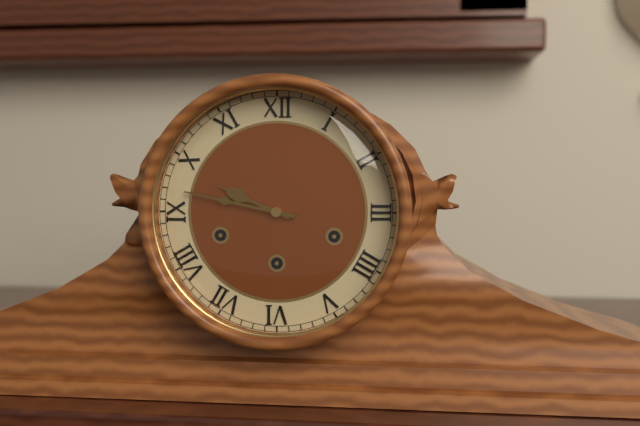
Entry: 9.47
